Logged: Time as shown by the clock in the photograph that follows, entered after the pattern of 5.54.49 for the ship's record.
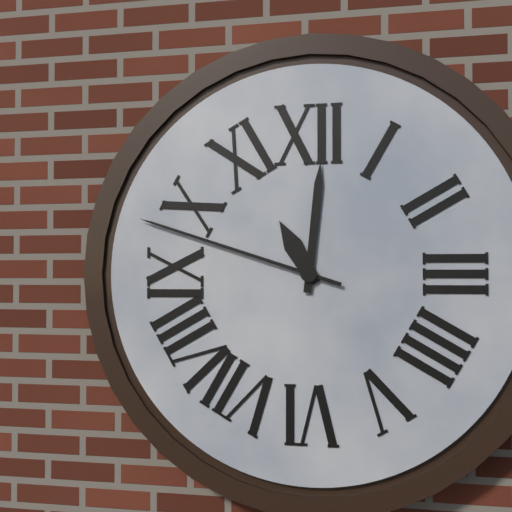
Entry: 11.01.48
